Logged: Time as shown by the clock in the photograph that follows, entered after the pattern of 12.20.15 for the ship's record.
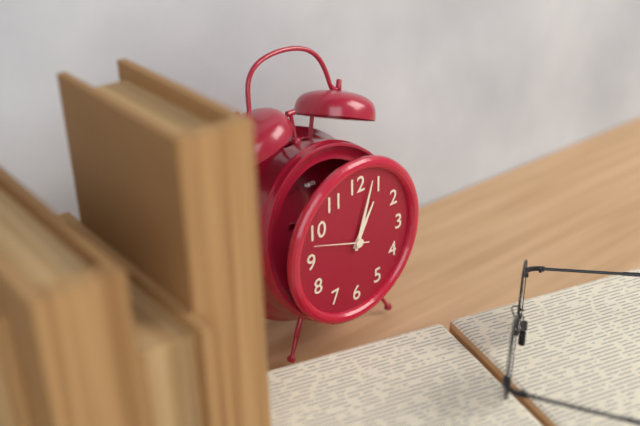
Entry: 1.03.48
